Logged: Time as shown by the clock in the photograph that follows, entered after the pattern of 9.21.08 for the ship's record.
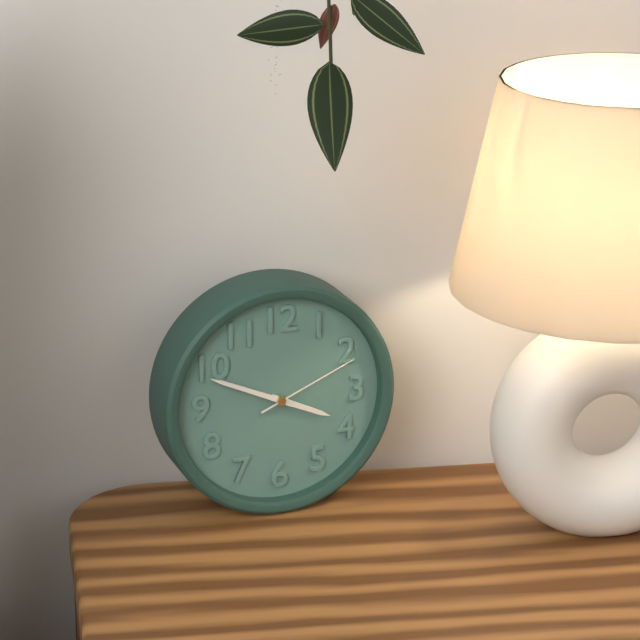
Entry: 3.49.11
